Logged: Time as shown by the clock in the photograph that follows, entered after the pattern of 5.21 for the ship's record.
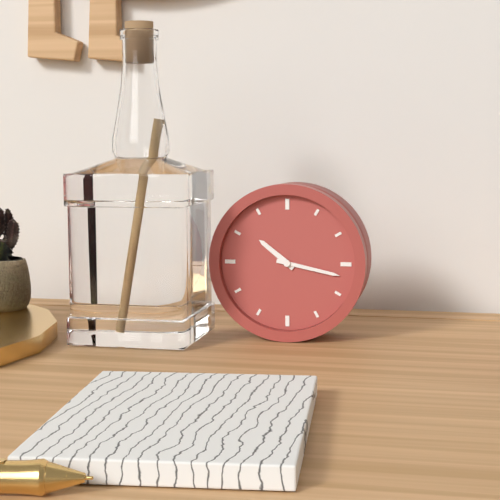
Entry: 10.17
